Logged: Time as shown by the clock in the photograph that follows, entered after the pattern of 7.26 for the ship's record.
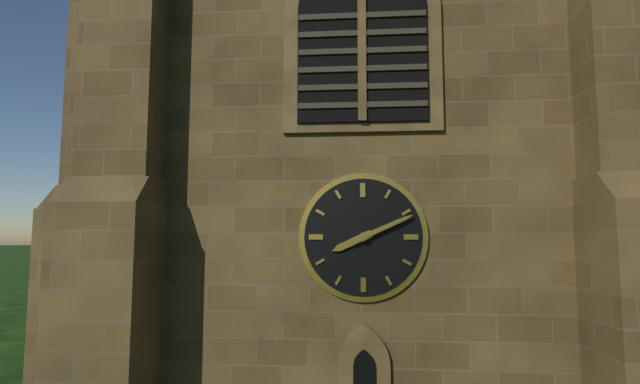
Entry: 8.11
